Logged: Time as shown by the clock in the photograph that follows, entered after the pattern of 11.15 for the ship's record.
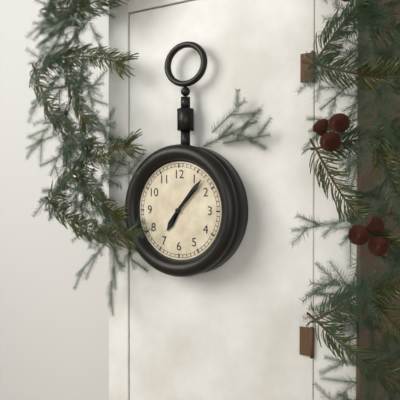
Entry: 7.07
